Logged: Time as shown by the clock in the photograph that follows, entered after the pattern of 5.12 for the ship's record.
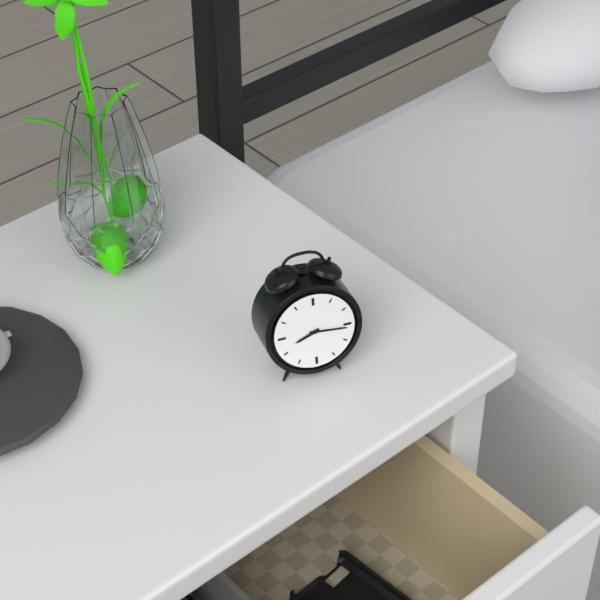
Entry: 8.16
